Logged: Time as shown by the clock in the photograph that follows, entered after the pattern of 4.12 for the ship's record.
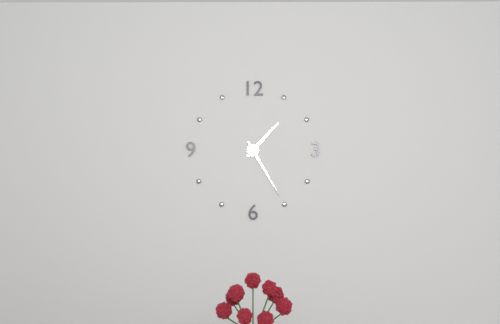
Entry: 1.25
